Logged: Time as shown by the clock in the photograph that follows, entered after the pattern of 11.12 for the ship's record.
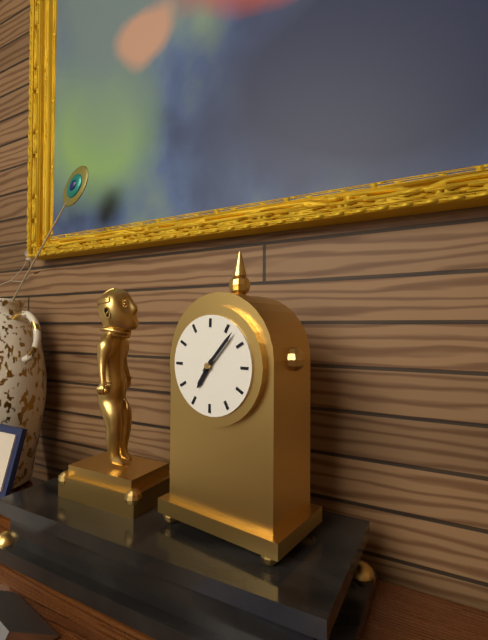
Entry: 7.07
